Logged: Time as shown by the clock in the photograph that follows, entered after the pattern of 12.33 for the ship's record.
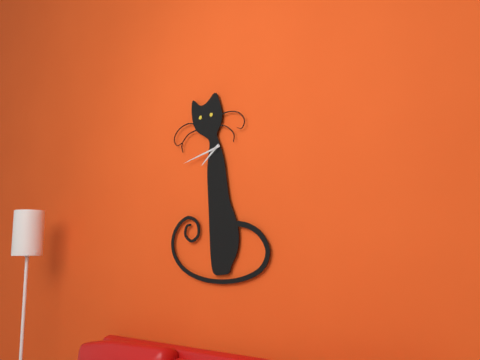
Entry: 7.43
